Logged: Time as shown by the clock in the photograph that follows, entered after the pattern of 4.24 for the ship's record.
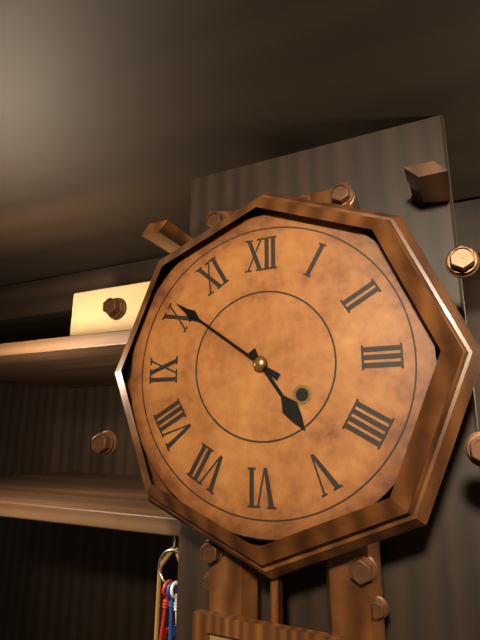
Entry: 4.51
